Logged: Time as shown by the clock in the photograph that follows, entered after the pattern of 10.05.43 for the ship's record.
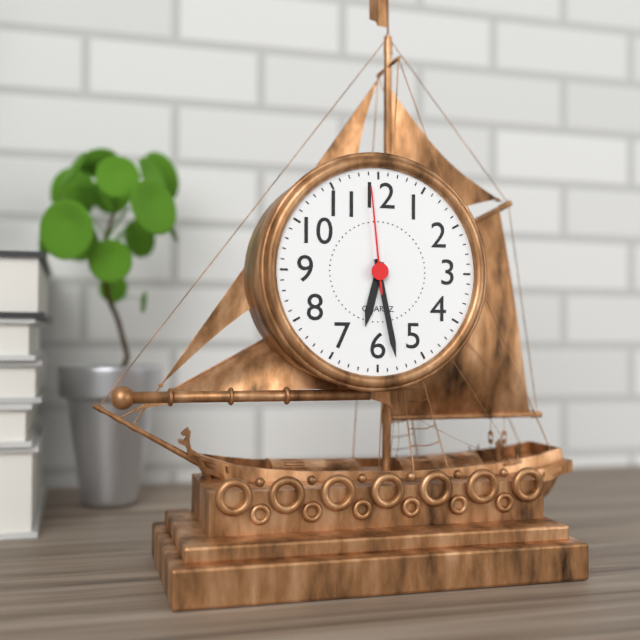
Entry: 6.28.59
